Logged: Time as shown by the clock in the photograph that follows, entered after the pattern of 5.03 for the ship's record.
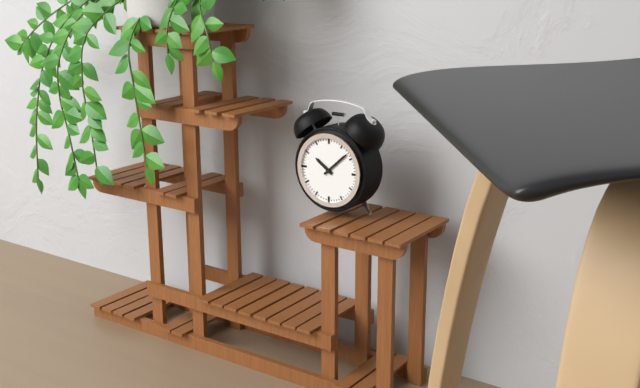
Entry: 10.08
